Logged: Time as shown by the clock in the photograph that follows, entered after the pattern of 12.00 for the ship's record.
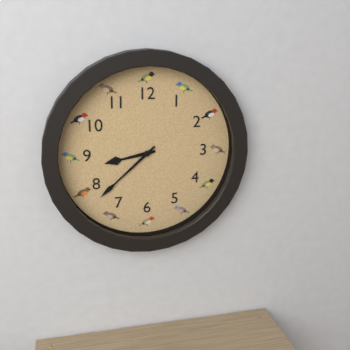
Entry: 8.38
